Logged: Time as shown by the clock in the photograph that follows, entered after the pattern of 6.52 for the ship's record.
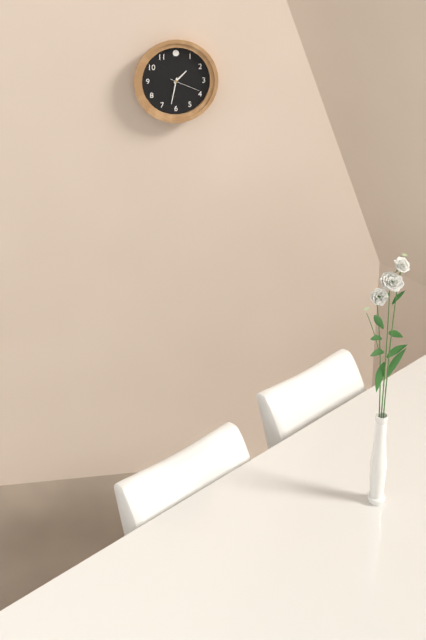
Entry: 1.32
